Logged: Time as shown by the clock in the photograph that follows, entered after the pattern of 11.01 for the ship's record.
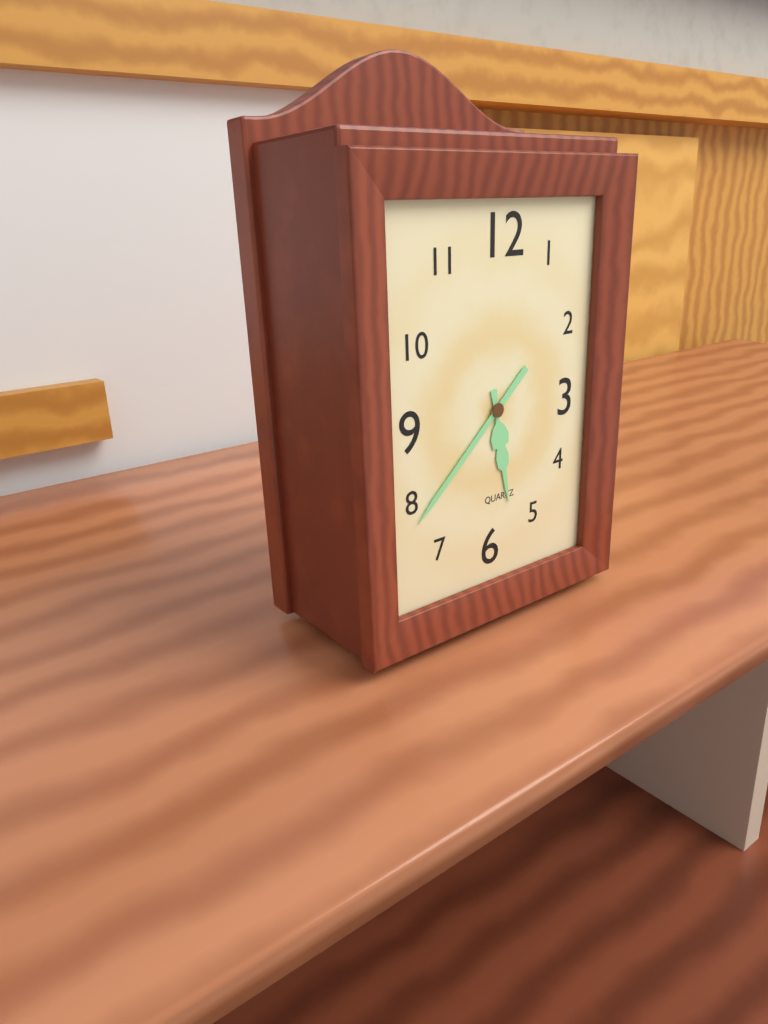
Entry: 5.38
